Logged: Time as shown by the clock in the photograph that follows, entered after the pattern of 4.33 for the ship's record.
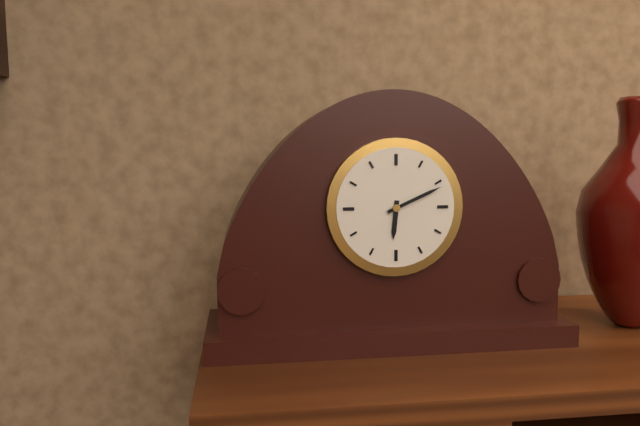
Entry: 6.11
